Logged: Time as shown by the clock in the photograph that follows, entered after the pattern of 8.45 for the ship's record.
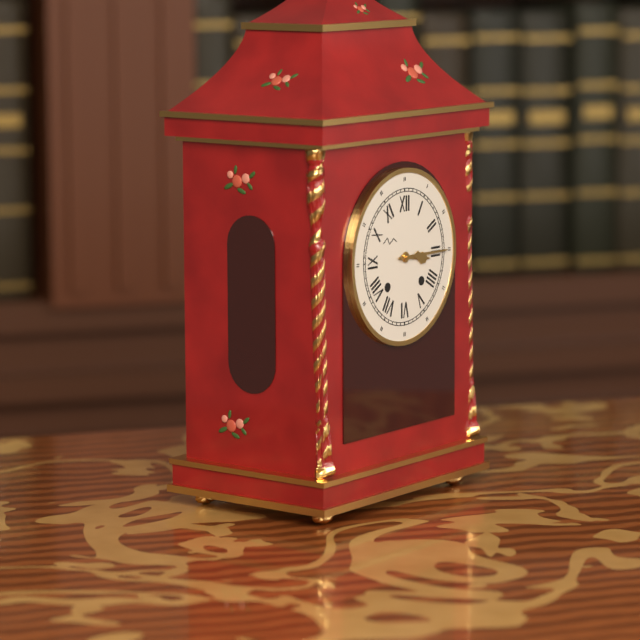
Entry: 3.15
